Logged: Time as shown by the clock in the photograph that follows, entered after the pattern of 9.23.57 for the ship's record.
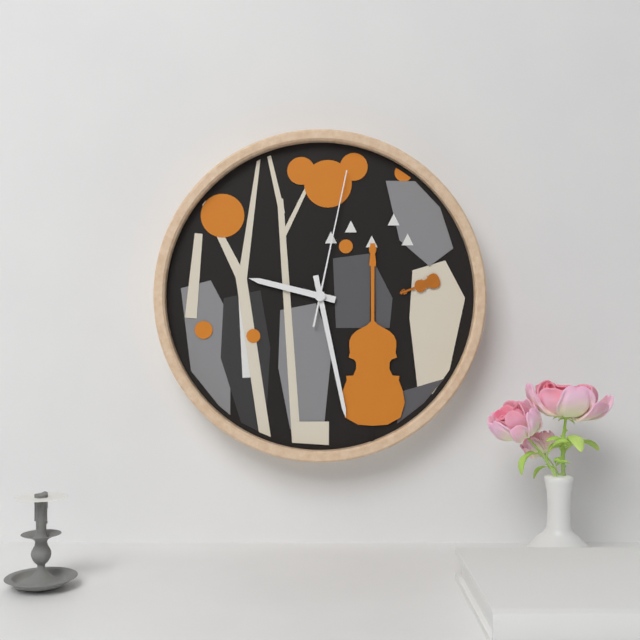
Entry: 9.28.02
